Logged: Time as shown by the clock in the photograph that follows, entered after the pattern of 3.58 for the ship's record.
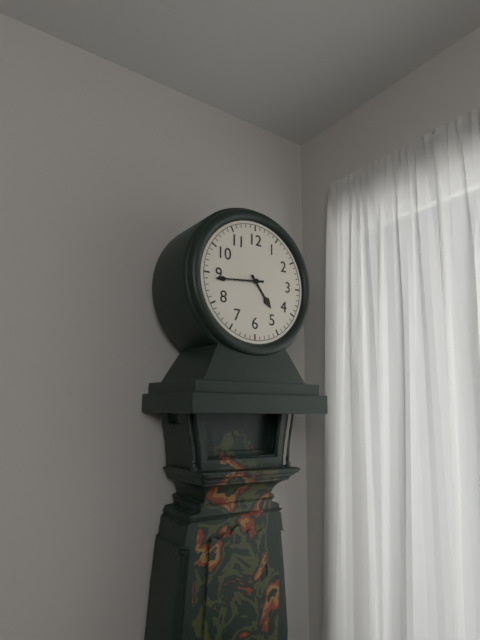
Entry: 4.44
